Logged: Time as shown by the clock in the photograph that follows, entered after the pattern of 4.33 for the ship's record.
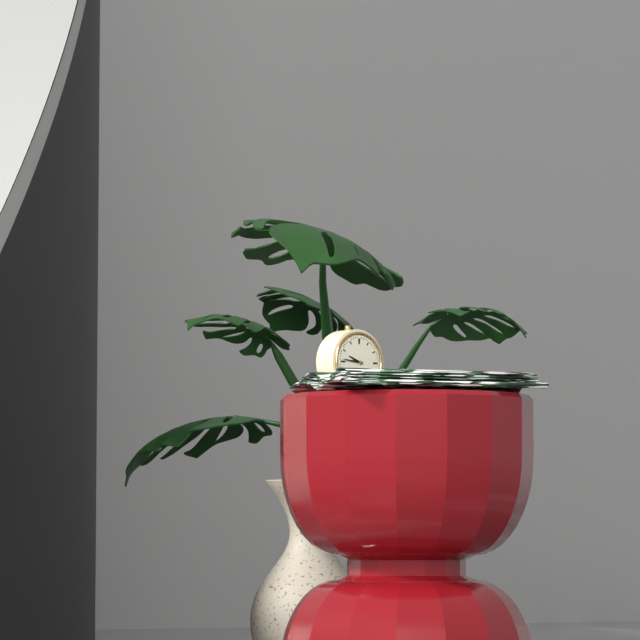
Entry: 9.46
